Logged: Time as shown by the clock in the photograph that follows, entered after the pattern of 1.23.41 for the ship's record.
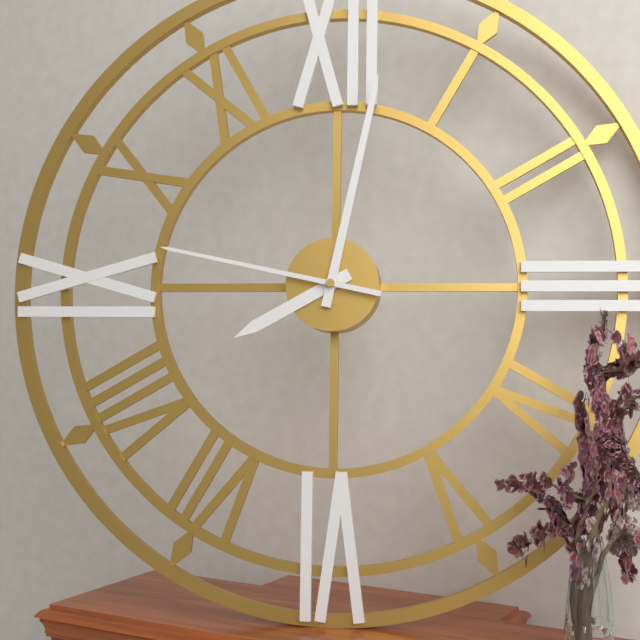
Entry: 8.02.47
